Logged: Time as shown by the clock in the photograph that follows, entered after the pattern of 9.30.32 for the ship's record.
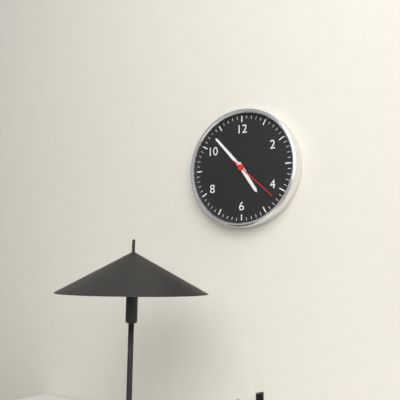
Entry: 4.53.22
